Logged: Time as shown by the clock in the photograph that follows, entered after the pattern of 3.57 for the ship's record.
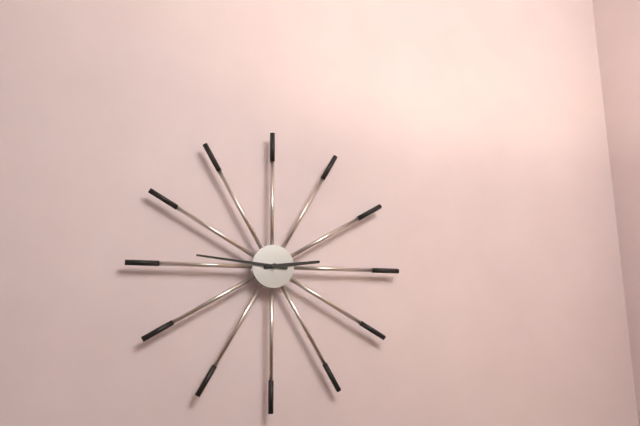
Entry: 2.46
